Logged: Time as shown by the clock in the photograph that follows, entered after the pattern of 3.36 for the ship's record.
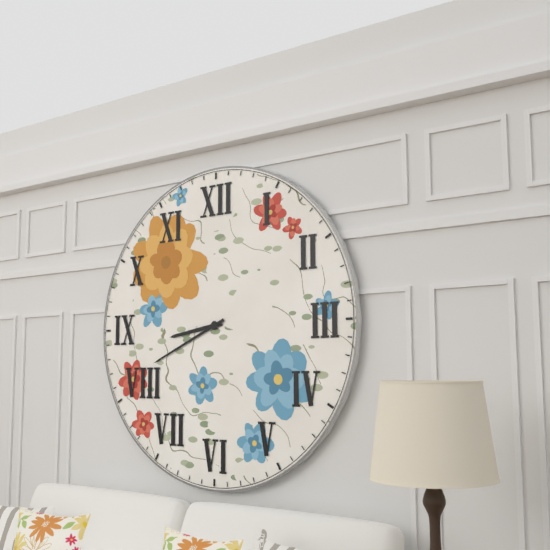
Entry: 8.41
